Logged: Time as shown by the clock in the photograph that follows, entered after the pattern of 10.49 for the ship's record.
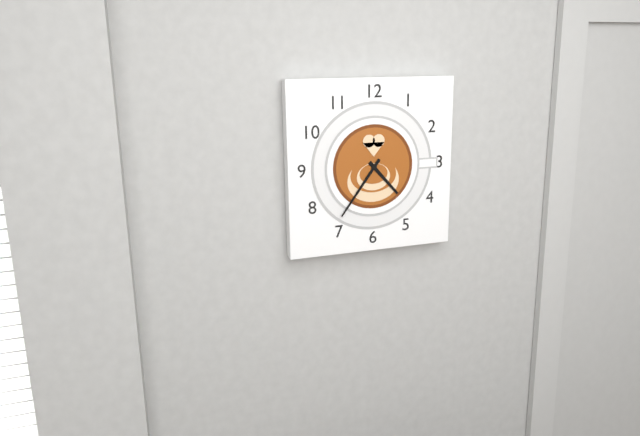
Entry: 4.36
